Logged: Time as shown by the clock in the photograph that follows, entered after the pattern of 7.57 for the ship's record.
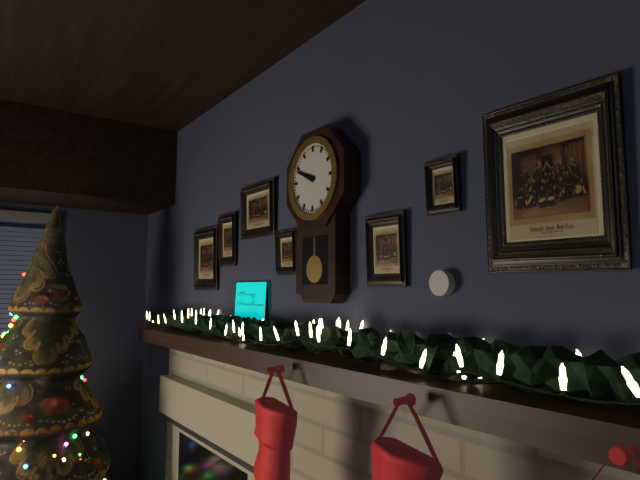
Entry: 9.49
